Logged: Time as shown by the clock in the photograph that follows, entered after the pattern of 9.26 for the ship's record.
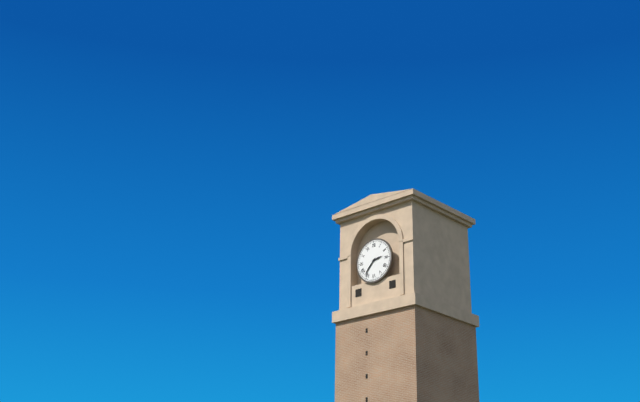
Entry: 2.37
